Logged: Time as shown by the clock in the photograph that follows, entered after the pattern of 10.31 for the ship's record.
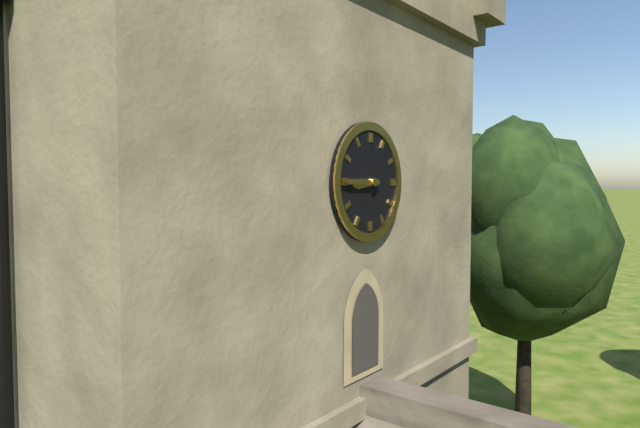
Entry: 8.45
